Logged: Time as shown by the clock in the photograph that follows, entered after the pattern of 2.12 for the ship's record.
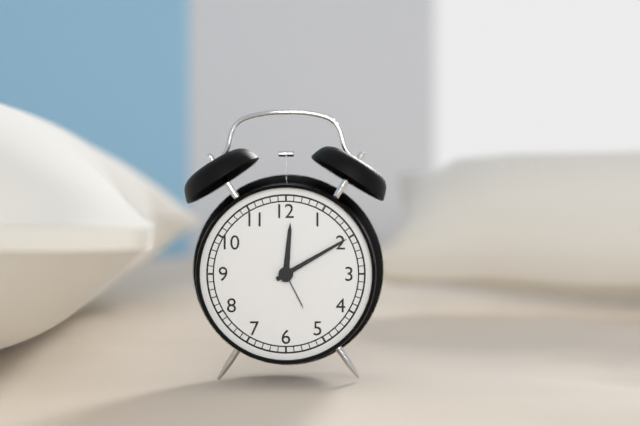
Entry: 12.10
